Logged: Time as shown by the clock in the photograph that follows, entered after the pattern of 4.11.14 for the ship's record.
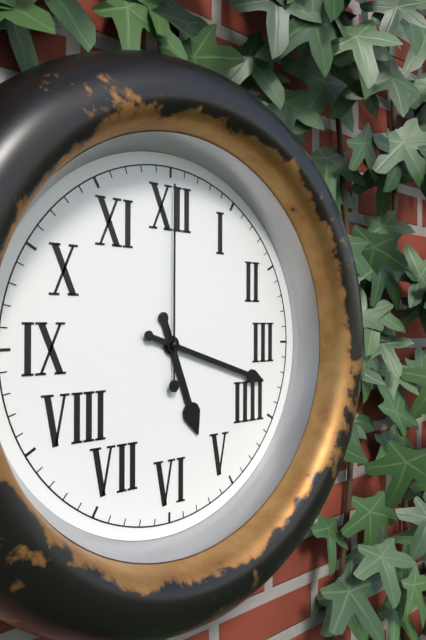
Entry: 5.18.00
